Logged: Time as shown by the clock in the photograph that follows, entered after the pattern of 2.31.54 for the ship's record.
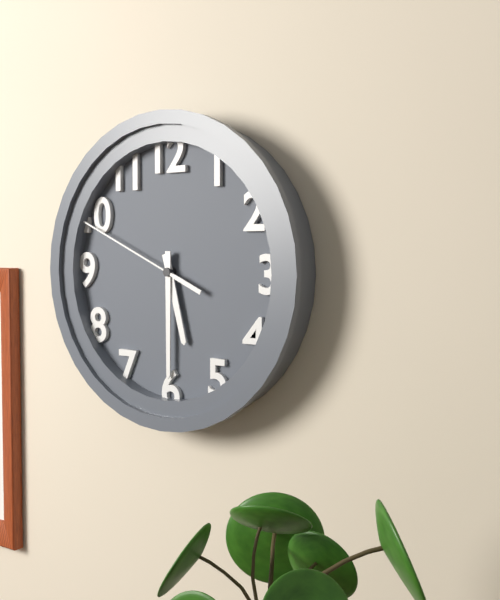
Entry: 5.30.49
